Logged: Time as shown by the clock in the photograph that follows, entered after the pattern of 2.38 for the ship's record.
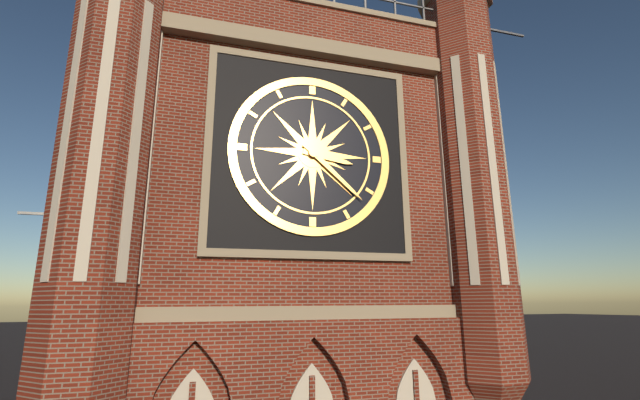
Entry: 3.22
